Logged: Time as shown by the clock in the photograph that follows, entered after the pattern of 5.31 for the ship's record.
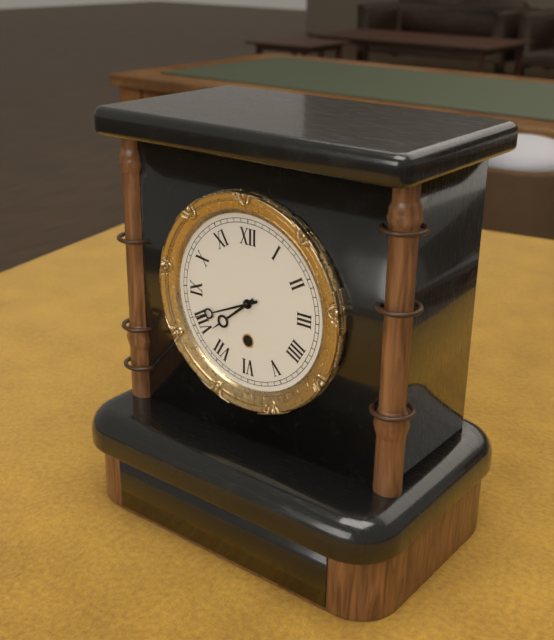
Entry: 7.41
